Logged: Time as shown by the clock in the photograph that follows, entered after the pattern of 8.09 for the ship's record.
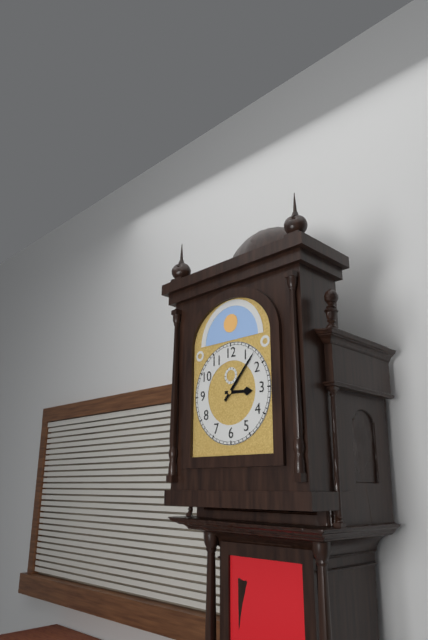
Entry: 3.07
